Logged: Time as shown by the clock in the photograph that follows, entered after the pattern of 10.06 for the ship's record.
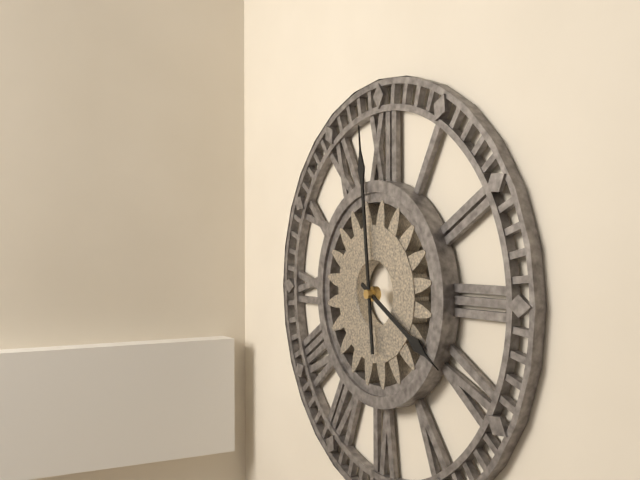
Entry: 3.59
